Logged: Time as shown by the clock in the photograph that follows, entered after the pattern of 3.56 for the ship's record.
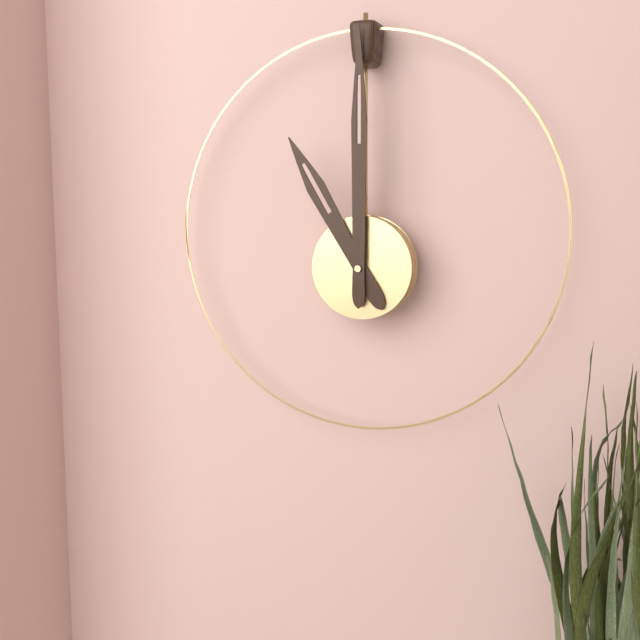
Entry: 11.00
